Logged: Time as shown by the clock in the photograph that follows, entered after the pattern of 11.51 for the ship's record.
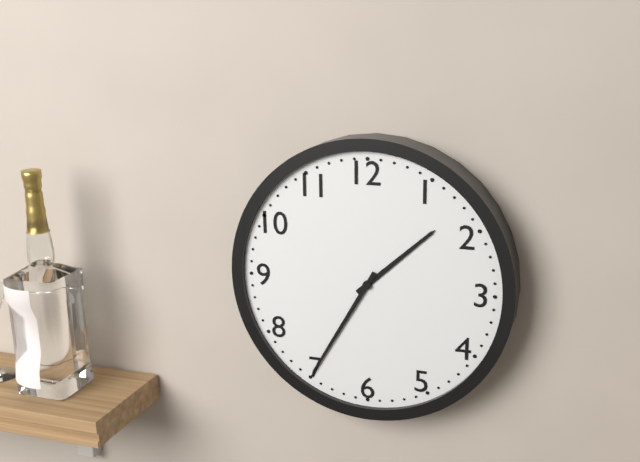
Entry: 1.35
